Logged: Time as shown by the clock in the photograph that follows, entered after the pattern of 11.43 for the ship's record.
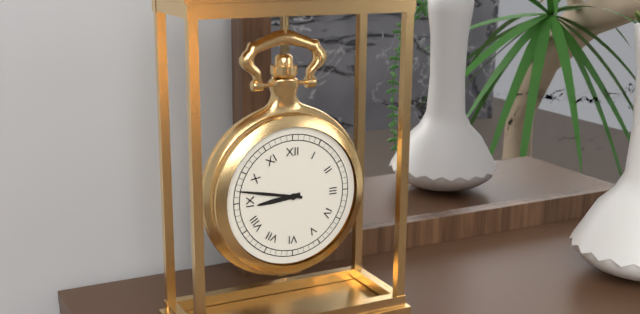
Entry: 8.47
